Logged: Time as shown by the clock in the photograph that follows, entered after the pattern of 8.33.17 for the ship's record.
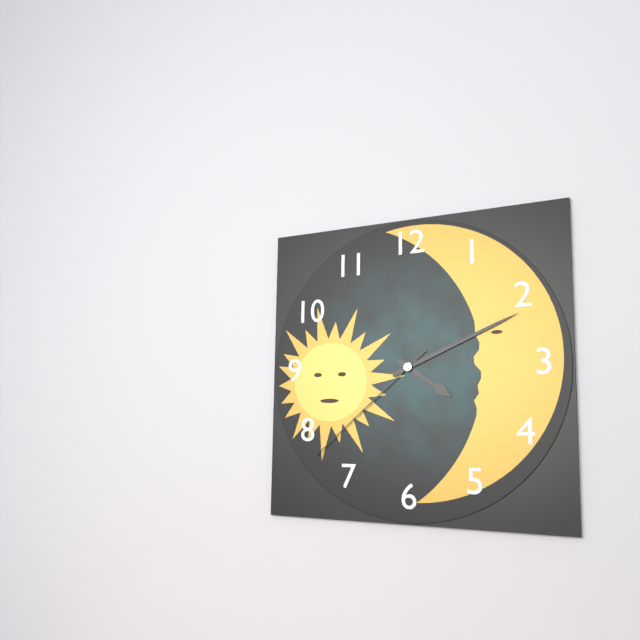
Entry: 4.11.38
